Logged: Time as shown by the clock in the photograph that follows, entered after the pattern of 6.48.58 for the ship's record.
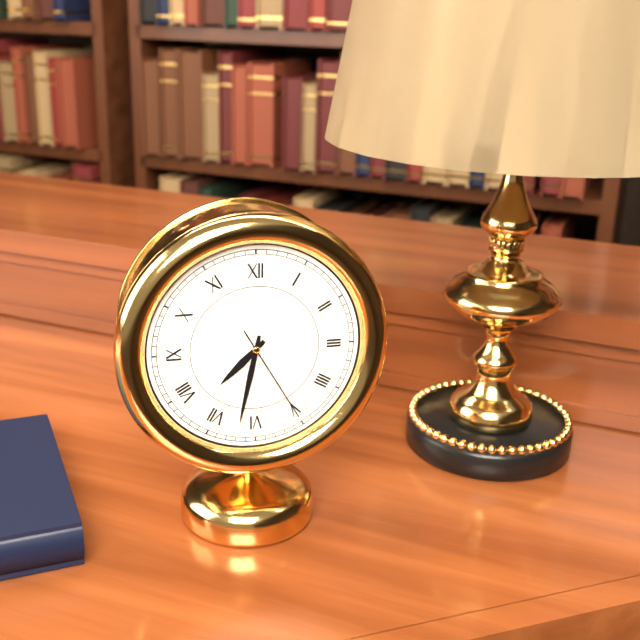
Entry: 7.32.25
